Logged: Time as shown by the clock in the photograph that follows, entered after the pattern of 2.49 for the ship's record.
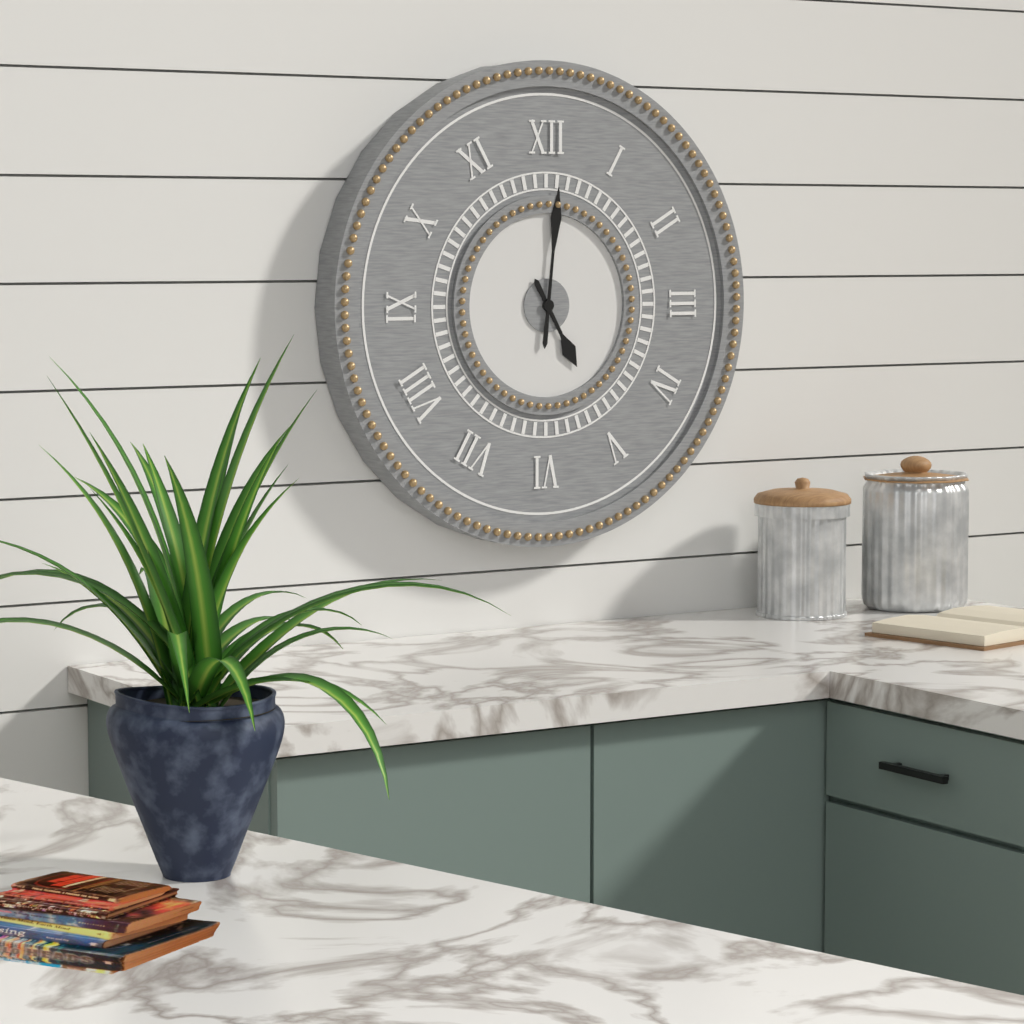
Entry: 5.01
